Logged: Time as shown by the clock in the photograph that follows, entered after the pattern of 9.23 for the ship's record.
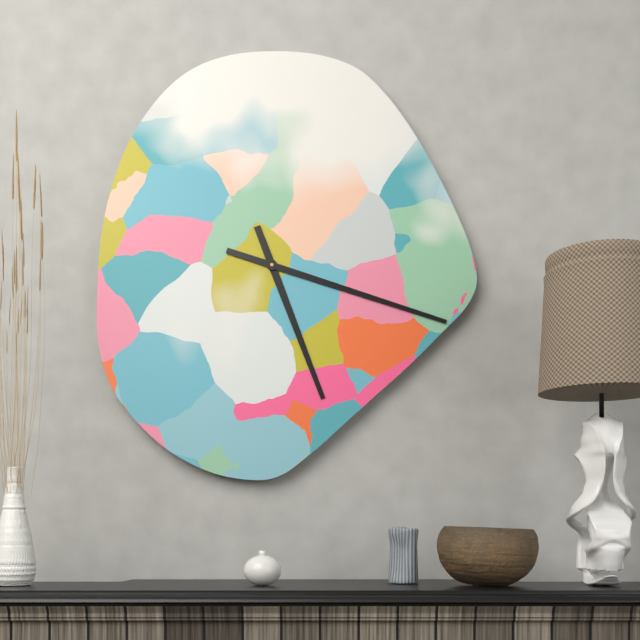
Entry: 5.18
